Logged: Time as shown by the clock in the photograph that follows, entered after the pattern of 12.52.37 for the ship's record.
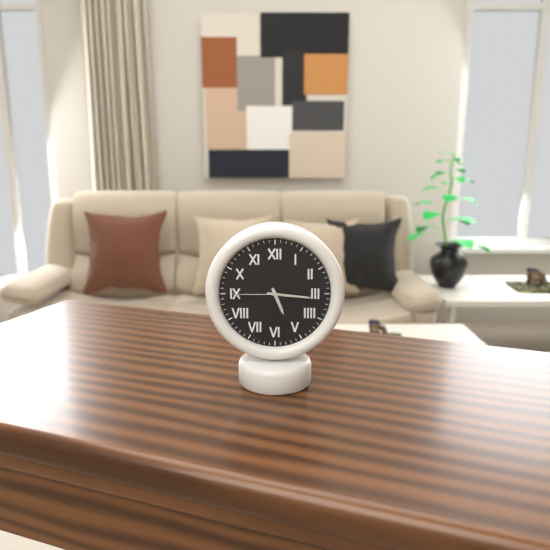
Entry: 5.16.45
